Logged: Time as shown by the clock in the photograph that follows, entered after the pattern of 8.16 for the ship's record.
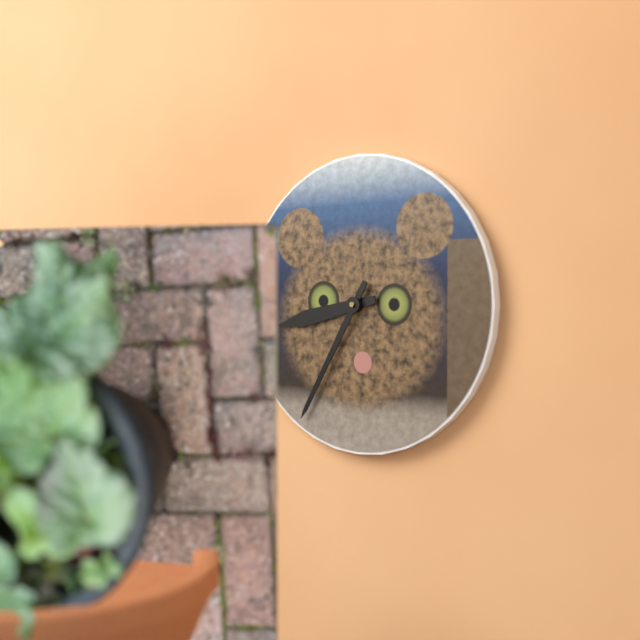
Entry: 8.35
